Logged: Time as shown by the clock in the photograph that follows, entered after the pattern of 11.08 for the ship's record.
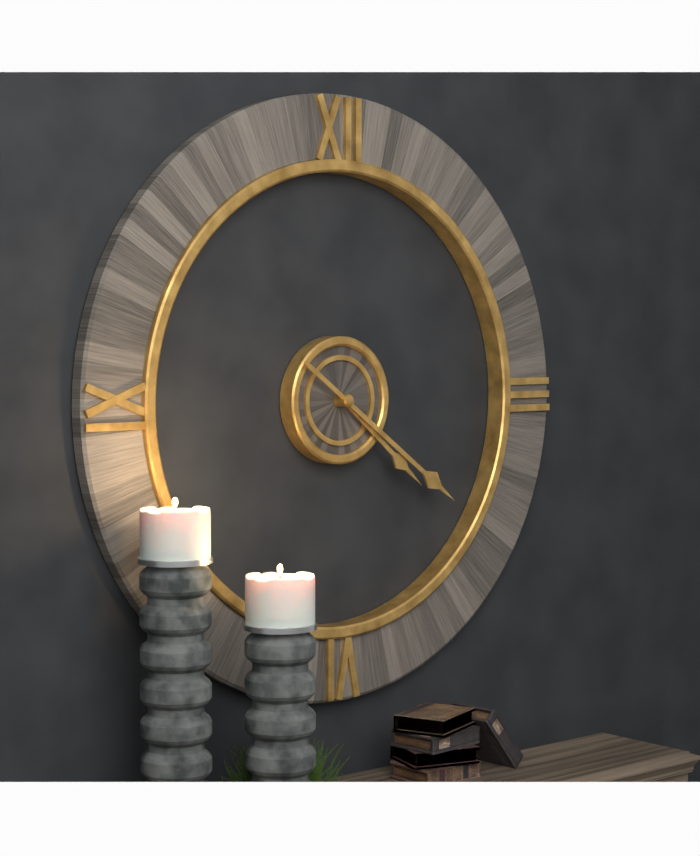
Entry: 4.21
